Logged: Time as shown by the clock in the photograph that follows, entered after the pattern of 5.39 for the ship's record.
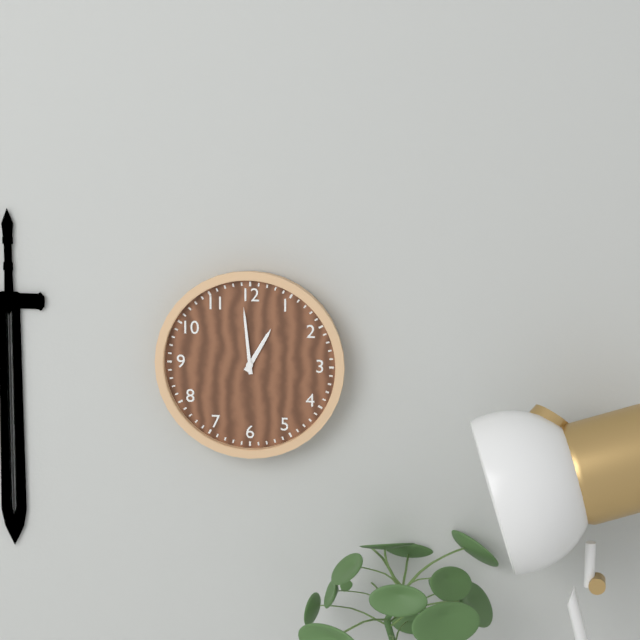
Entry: 12.59
